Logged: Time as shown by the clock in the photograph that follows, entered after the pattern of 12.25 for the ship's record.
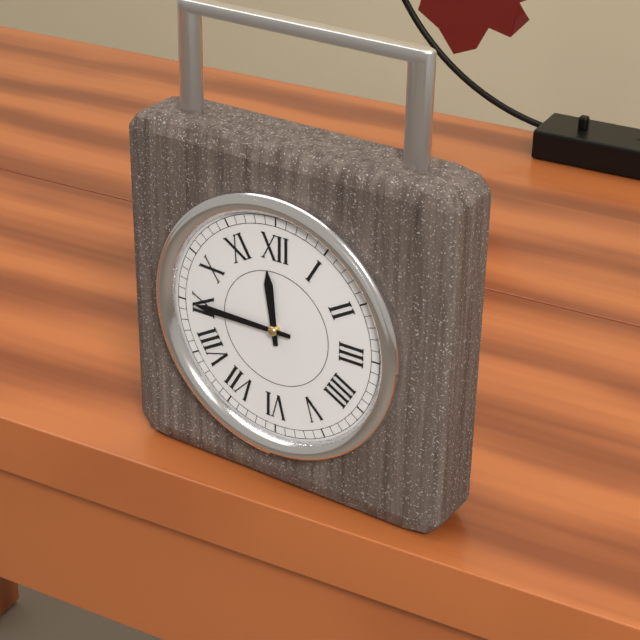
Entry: 11.45
